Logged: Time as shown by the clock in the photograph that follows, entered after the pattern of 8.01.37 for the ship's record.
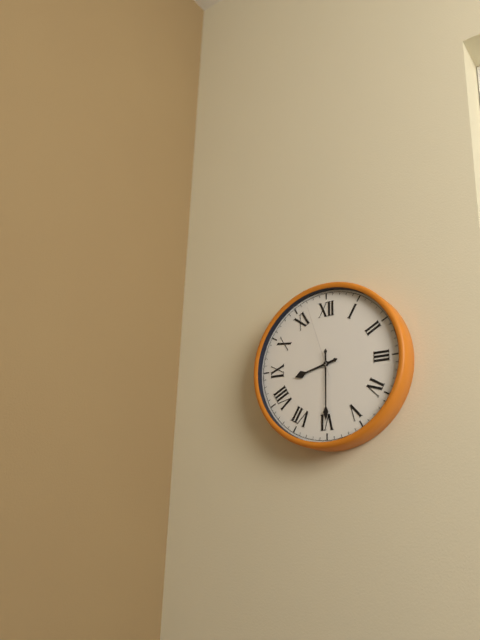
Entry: 8.30.57
